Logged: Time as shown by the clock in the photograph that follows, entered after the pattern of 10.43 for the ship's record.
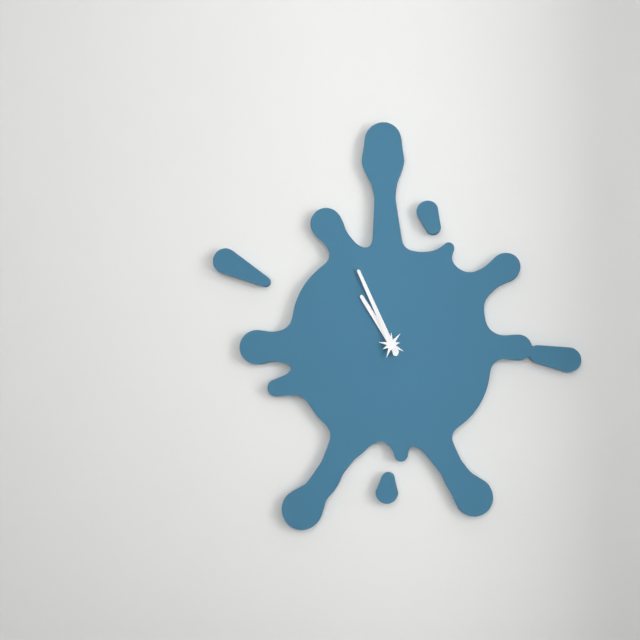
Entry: 10.56
